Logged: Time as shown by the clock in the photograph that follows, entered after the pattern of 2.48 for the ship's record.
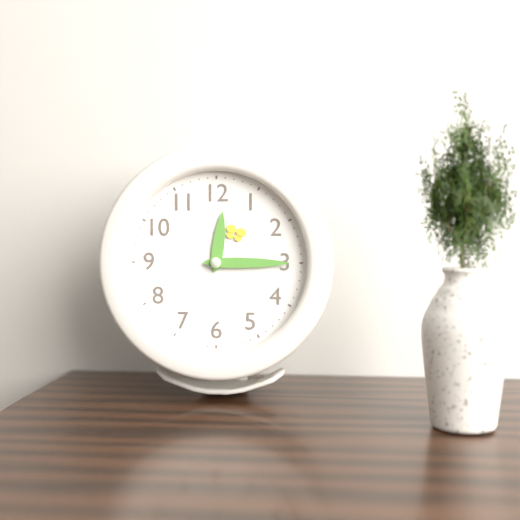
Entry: 12.15
